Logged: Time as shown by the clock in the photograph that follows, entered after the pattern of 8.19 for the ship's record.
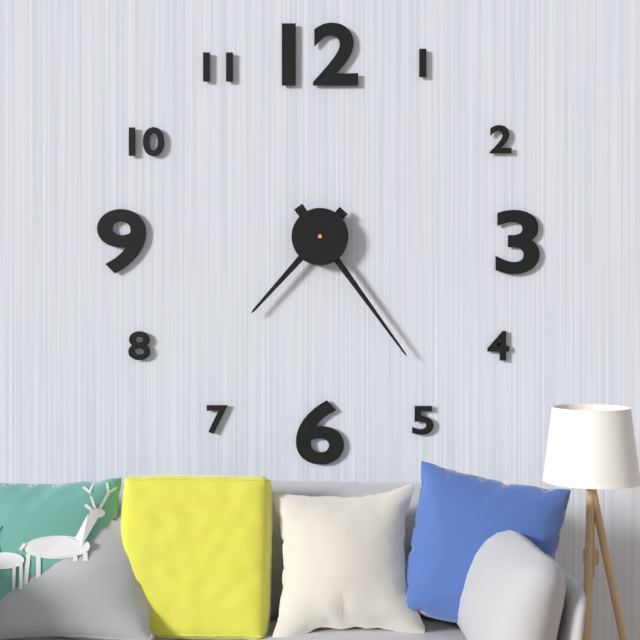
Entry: 7.24
